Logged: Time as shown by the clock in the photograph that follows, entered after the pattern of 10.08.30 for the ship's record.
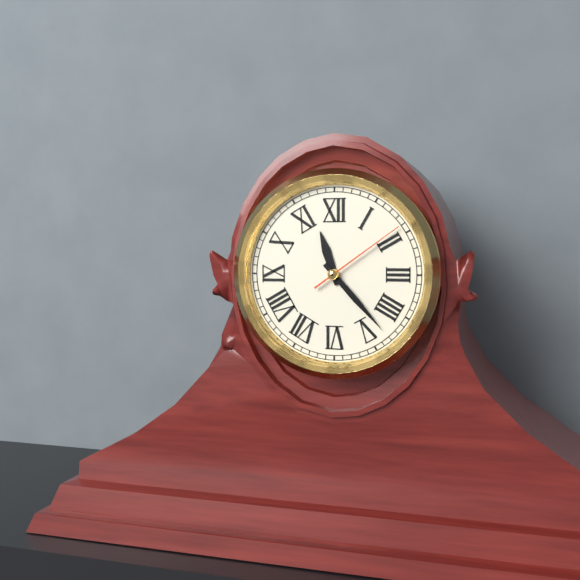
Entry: 11.23.09
